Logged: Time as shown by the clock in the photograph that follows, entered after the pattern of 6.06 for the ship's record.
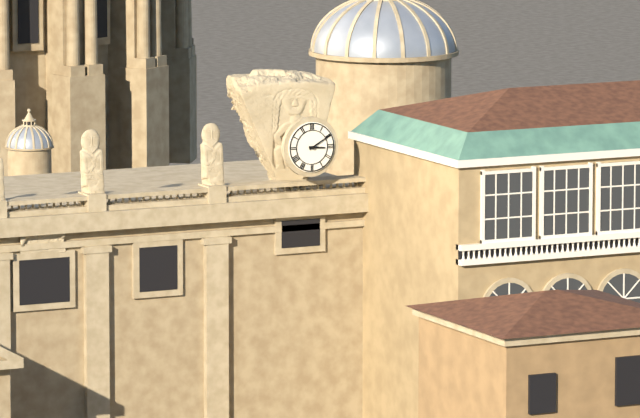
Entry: 3.10
